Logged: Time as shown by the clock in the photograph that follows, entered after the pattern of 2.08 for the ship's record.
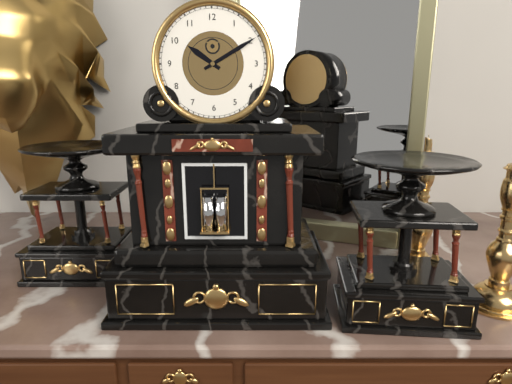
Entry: 10.10
